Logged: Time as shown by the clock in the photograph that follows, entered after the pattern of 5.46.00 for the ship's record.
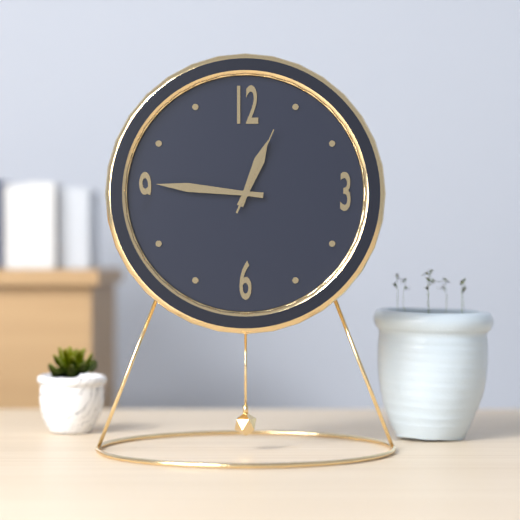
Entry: 12.46.04
